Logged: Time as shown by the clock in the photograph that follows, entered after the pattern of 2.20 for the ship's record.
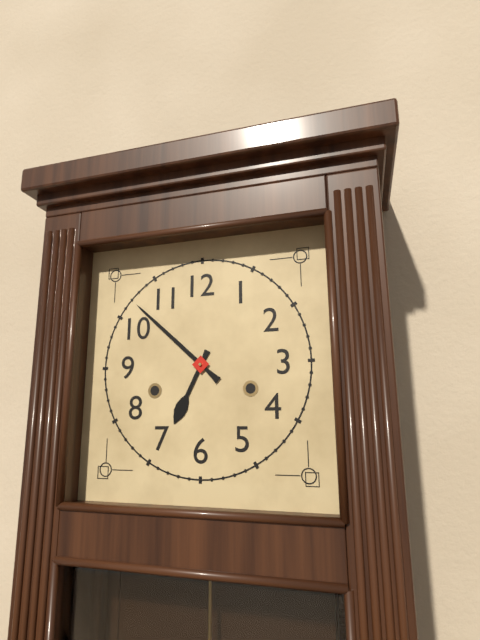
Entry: 6.52
